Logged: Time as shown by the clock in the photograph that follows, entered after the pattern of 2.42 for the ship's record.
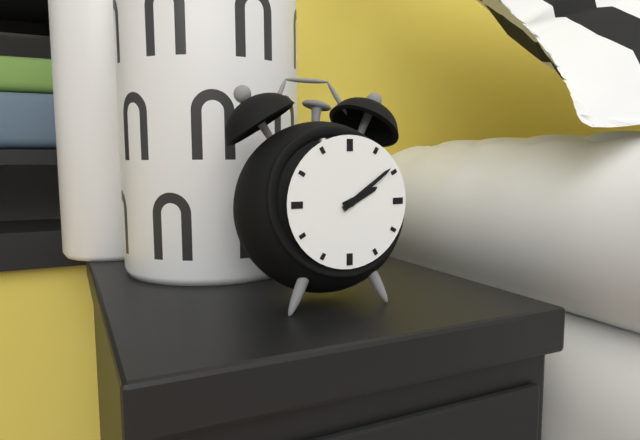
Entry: 2.09
